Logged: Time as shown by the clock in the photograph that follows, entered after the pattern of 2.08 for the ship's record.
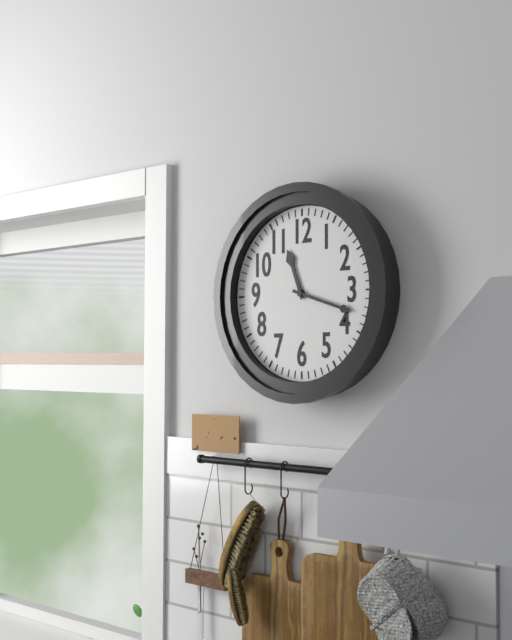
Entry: 11.18
